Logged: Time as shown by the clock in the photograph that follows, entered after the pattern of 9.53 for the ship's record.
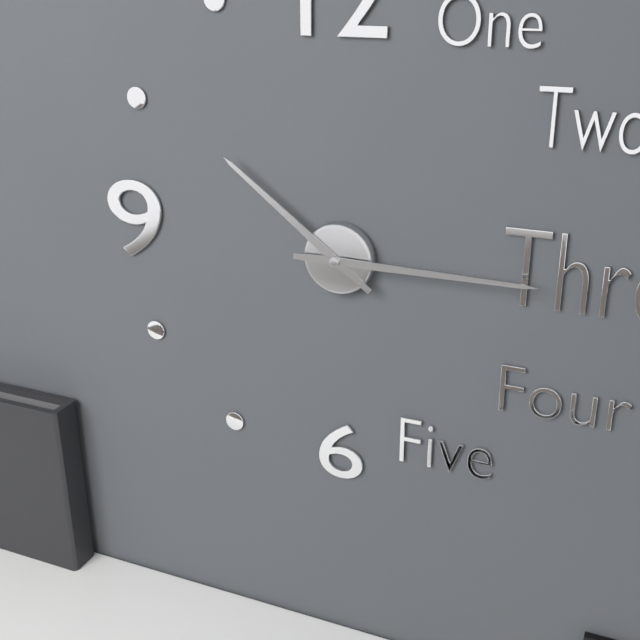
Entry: 10.15
